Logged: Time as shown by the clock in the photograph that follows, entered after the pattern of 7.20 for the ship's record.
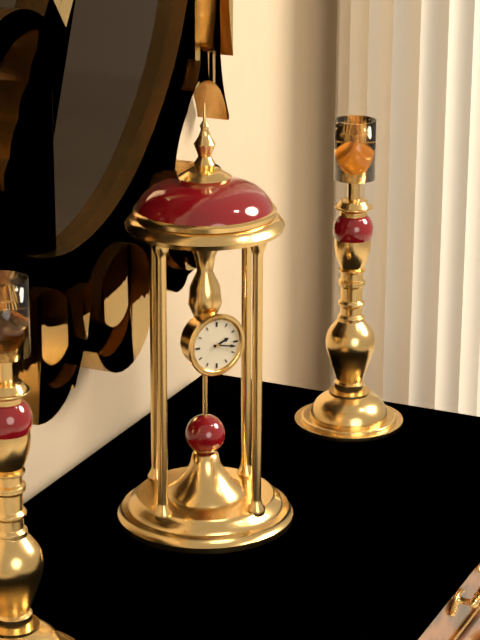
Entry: 2.17
